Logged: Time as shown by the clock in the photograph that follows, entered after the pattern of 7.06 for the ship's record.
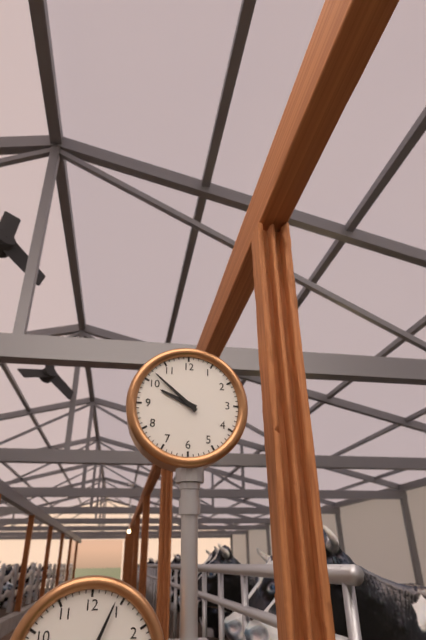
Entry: 9.52
